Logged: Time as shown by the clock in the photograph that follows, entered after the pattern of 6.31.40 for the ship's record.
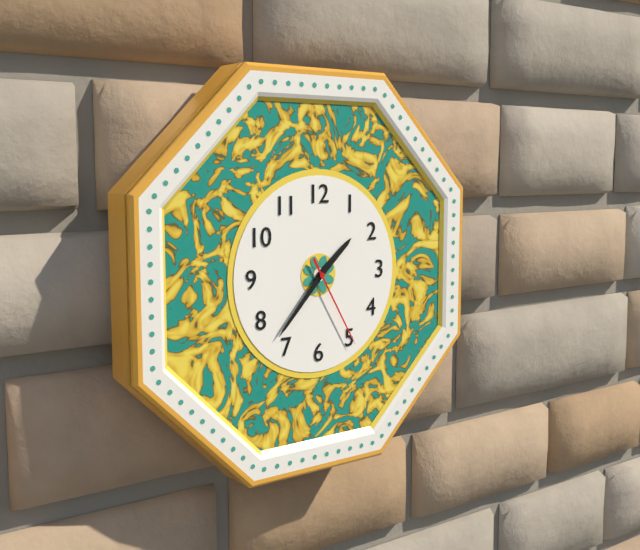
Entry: 1.37.25
